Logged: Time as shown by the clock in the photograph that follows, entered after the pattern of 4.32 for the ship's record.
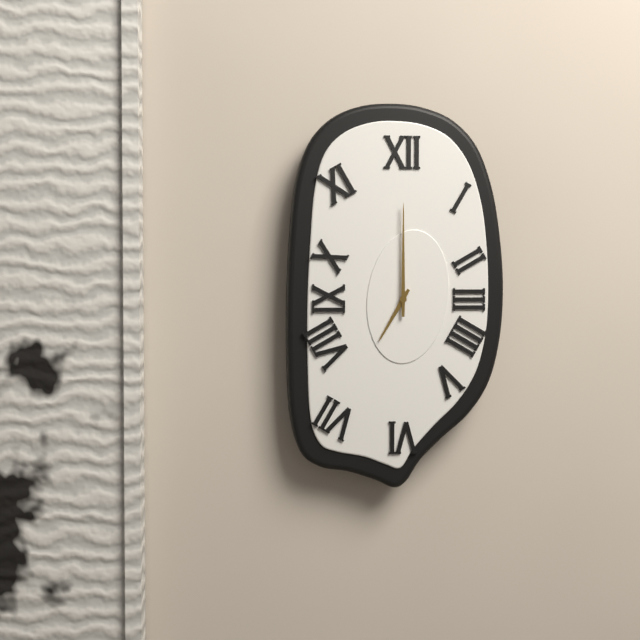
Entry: 7.00
